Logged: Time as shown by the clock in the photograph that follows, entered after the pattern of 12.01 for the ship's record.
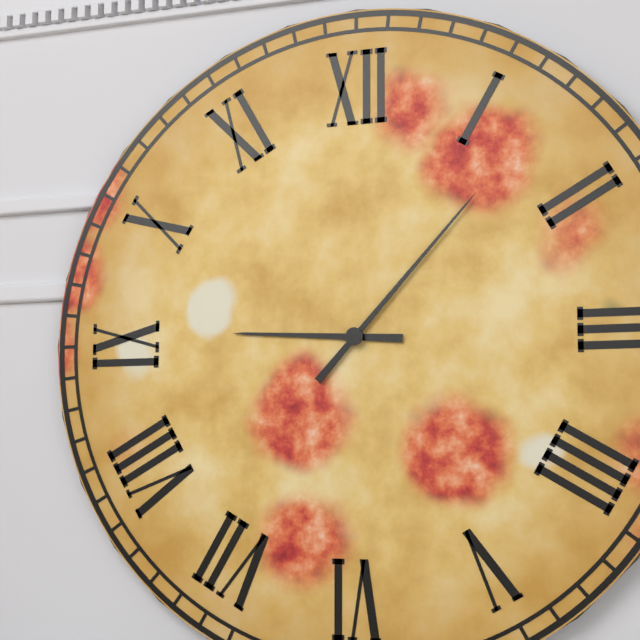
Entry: 9.07
